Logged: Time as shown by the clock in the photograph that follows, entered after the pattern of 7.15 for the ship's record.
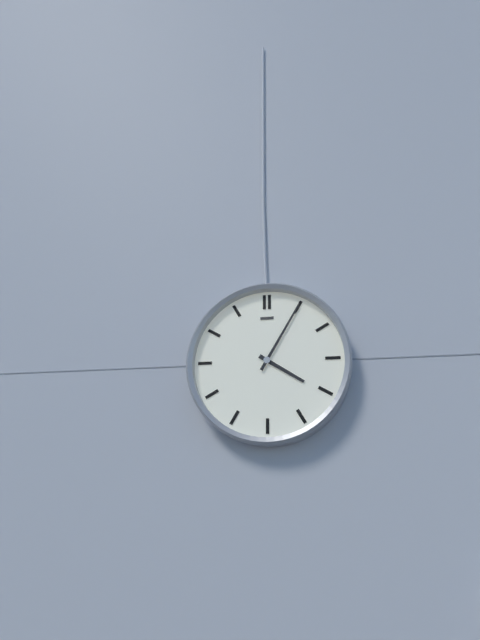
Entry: 4.05
